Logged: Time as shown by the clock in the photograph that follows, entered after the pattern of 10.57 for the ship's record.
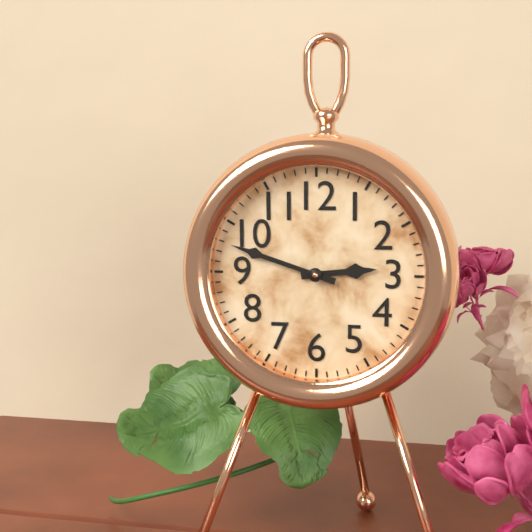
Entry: 2.48
